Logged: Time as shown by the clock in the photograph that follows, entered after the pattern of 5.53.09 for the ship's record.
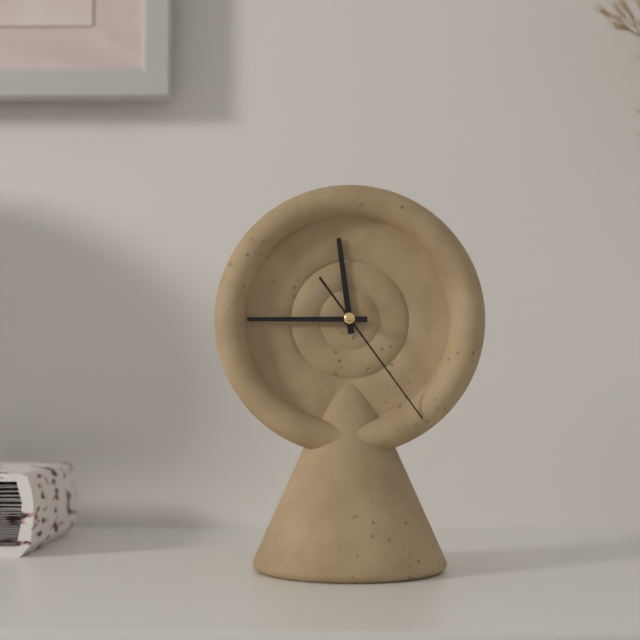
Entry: 11.45.24
